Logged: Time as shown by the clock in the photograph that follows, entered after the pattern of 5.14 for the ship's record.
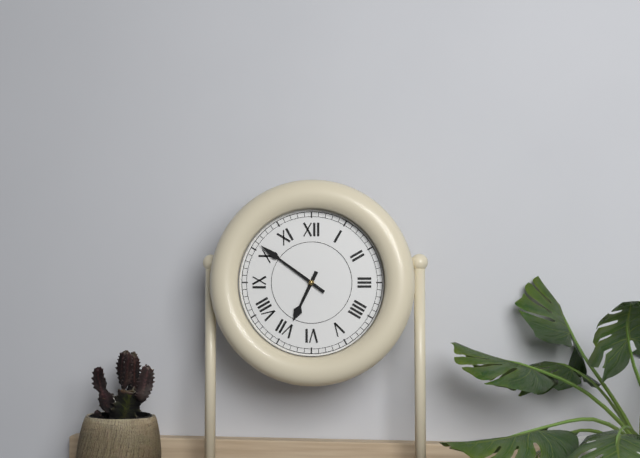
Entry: 6.51
